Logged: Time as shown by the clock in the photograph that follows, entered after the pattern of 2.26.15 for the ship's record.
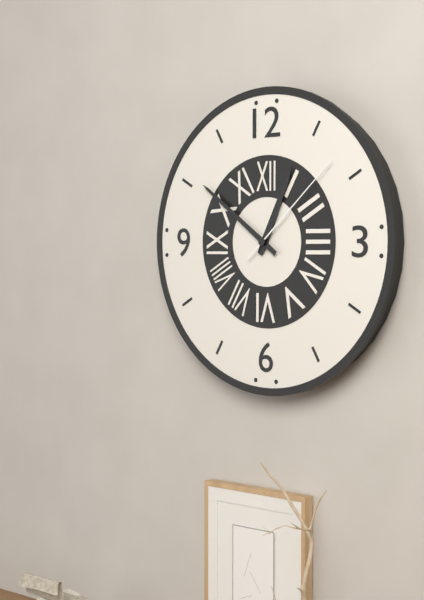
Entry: 12.51.08
